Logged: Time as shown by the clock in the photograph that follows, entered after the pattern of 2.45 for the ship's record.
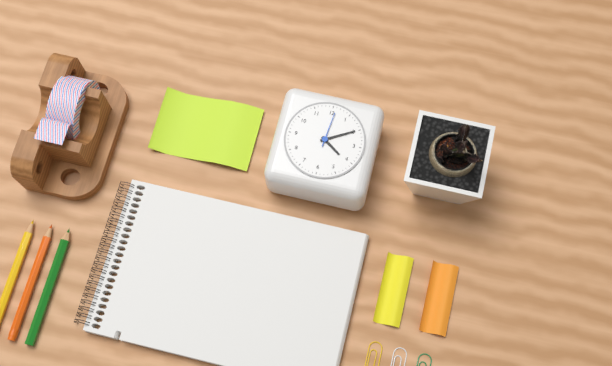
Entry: 4.10
